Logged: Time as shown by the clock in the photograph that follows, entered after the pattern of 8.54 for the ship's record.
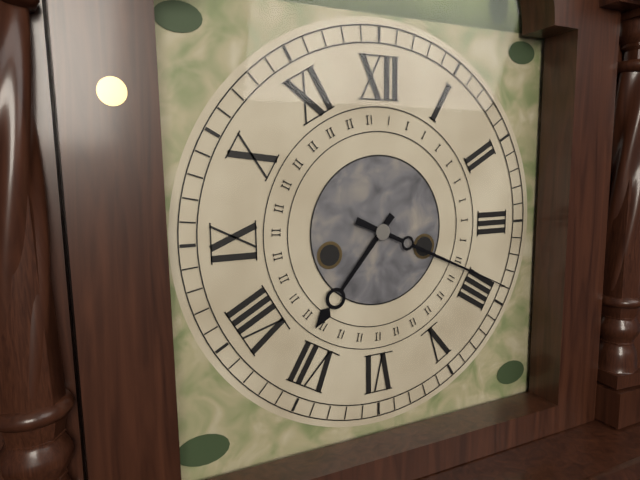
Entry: 7.19
